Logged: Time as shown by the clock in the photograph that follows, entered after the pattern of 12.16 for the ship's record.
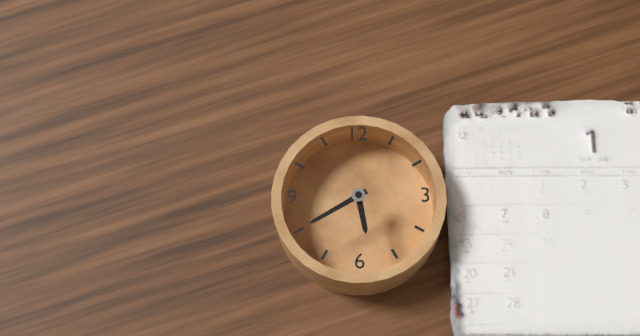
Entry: 5.40
